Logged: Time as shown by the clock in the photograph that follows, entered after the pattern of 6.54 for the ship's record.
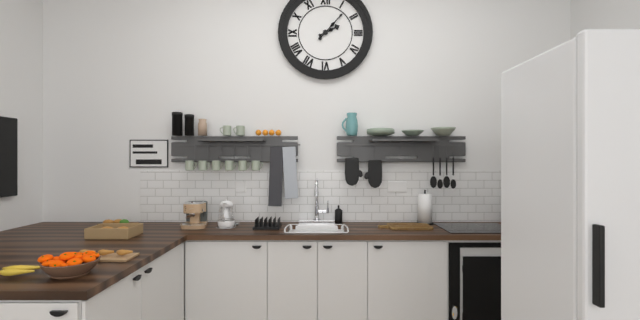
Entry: 2.07
